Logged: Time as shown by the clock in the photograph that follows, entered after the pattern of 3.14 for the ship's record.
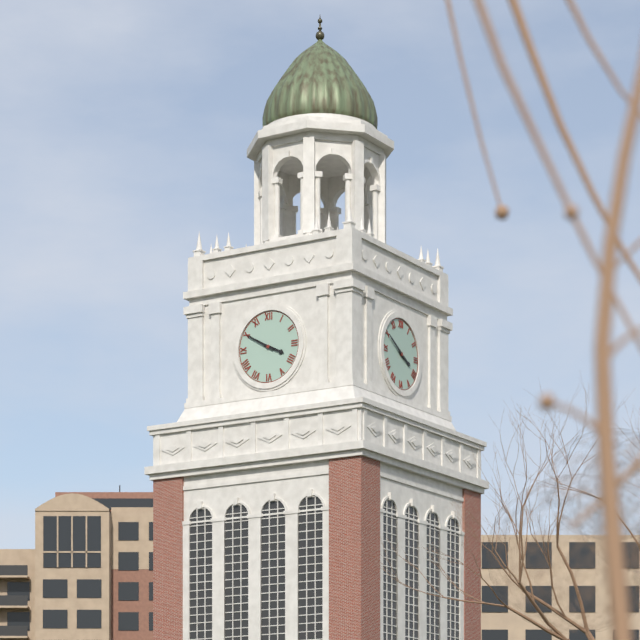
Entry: 3.50
